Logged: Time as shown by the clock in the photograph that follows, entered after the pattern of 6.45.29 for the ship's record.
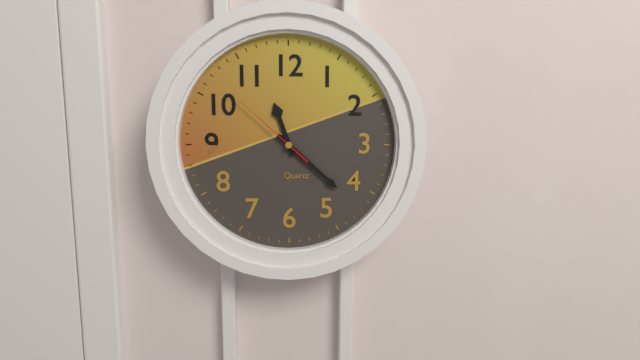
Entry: 11.22.52
